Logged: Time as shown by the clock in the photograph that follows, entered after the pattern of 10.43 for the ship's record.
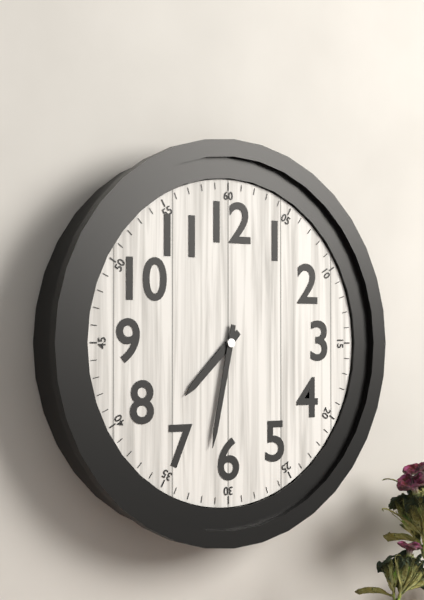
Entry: 7.32
